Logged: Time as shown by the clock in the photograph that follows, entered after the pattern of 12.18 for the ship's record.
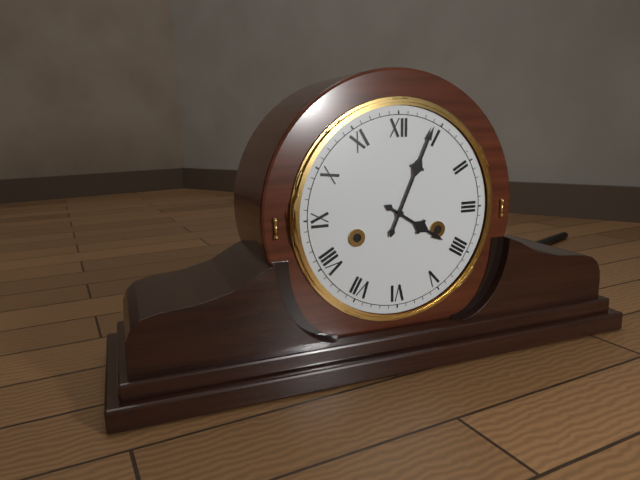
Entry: 4.04
